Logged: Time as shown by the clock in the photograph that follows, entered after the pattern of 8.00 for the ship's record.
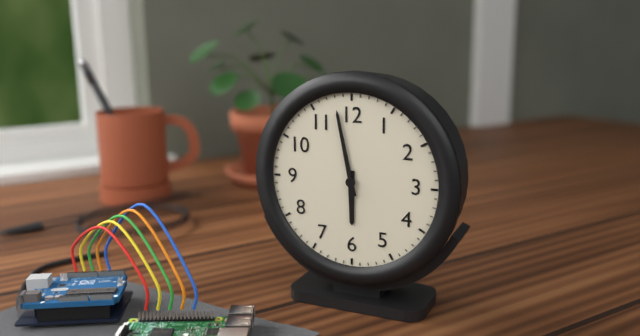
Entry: 5.58
